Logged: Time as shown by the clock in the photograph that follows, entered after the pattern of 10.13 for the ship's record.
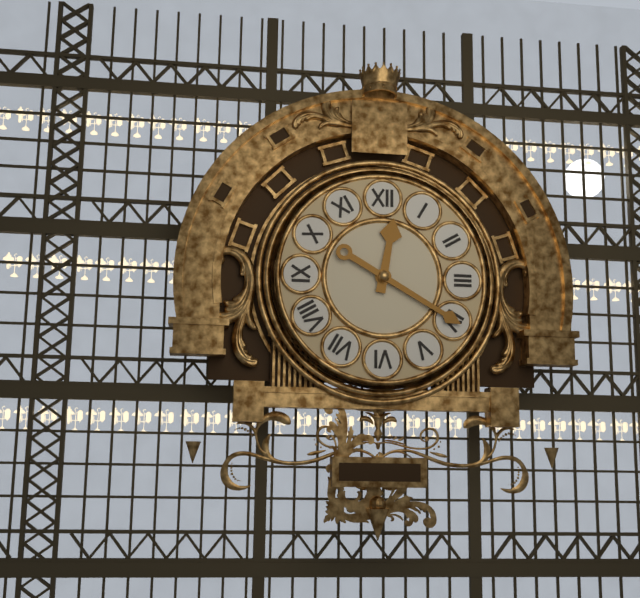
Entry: 12.20
